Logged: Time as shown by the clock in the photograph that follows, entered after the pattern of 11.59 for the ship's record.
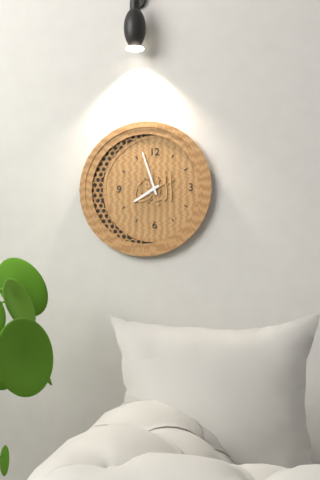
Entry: 7.57
